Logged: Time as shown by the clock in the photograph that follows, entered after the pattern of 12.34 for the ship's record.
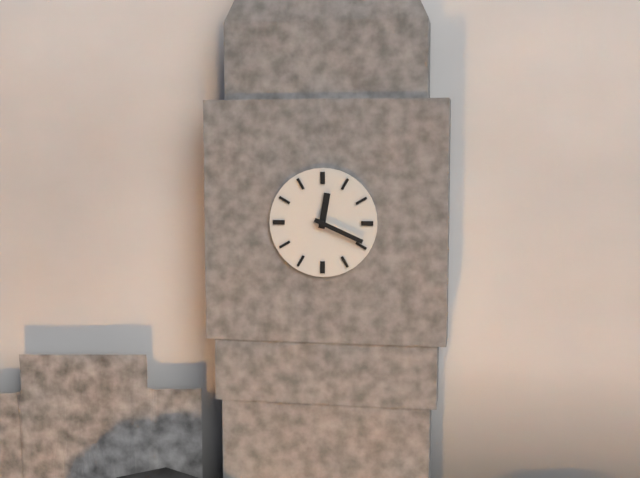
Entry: 12.19
